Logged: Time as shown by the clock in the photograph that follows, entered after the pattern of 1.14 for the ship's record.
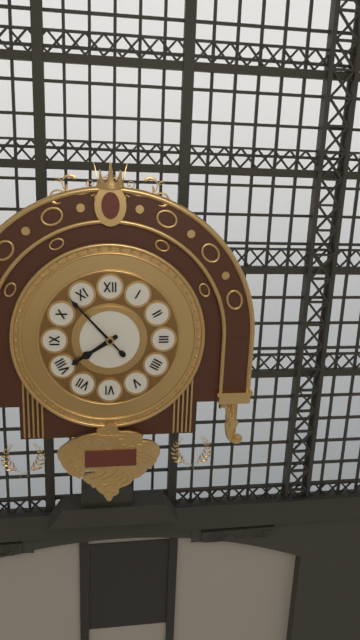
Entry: 7.53
